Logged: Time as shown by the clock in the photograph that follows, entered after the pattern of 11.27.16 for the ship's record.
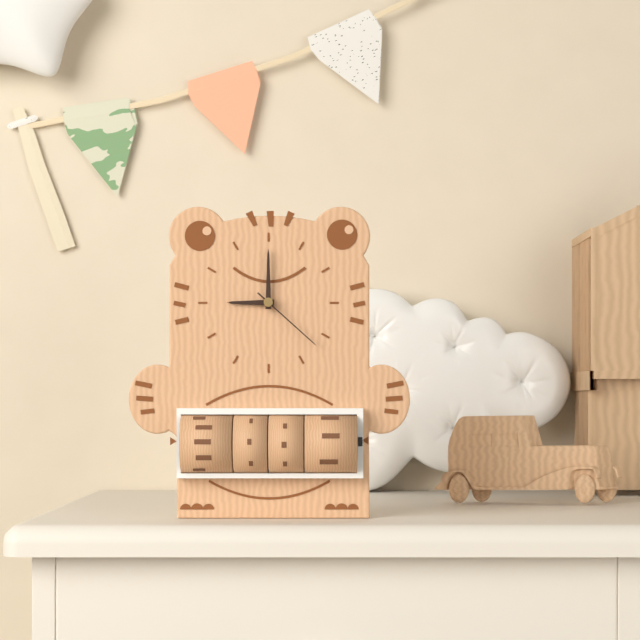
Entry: 9.00.22
